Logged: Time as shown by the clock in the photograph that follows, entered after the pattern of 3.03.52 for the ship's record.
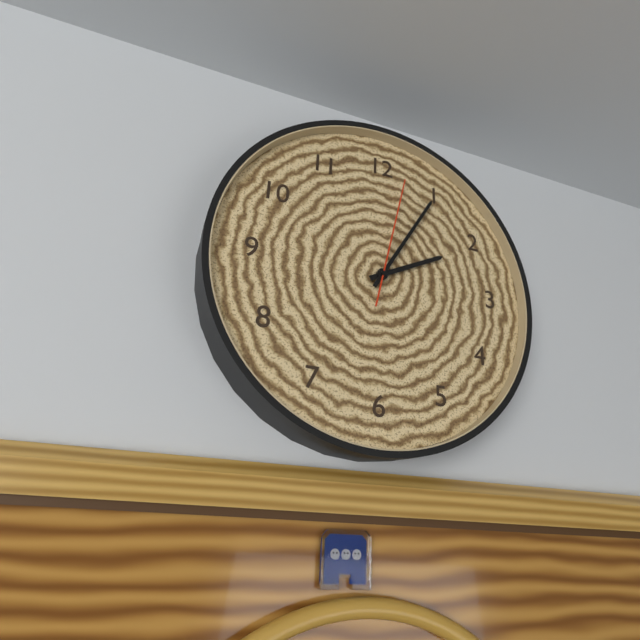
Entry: 2.05.02
